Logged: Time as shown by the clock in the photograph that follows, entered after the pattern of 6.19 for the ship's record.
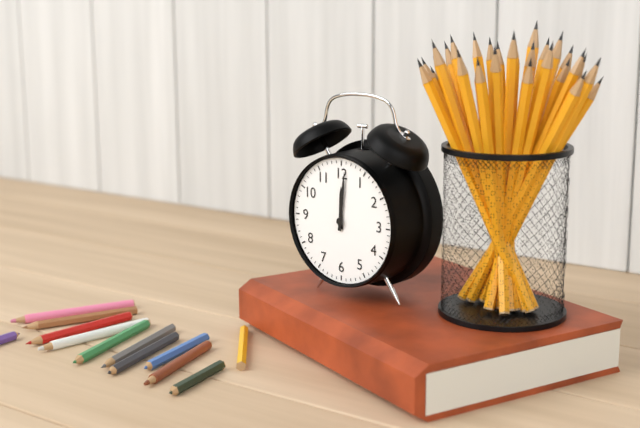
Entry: 12.01
